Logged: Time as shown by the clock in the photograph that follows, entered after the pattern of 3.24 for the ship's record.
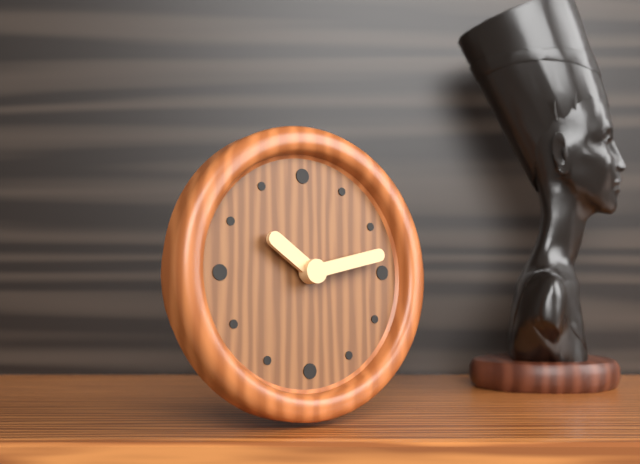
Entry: 10.13
